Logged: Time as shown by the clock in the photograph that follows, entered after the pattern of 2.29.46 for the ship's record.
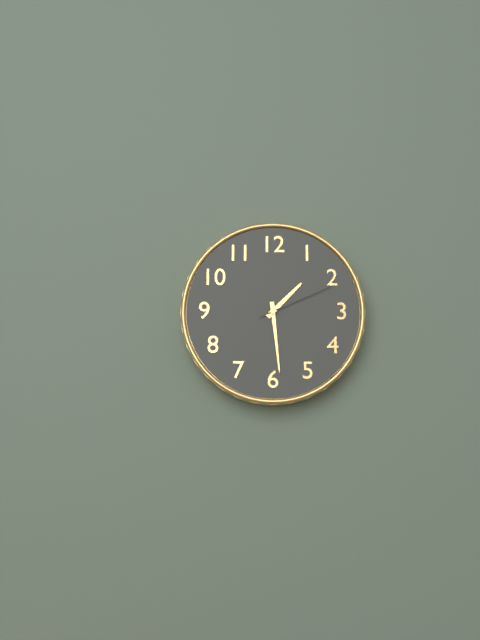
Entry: 1.29.11
